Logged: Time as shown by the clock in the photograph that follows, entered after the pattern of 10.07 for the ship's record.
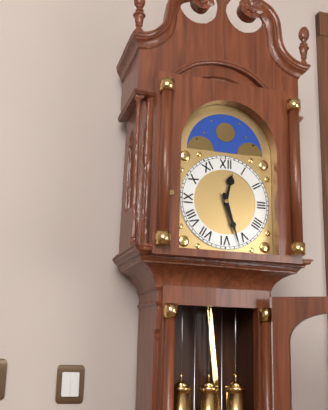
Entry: 12.27
